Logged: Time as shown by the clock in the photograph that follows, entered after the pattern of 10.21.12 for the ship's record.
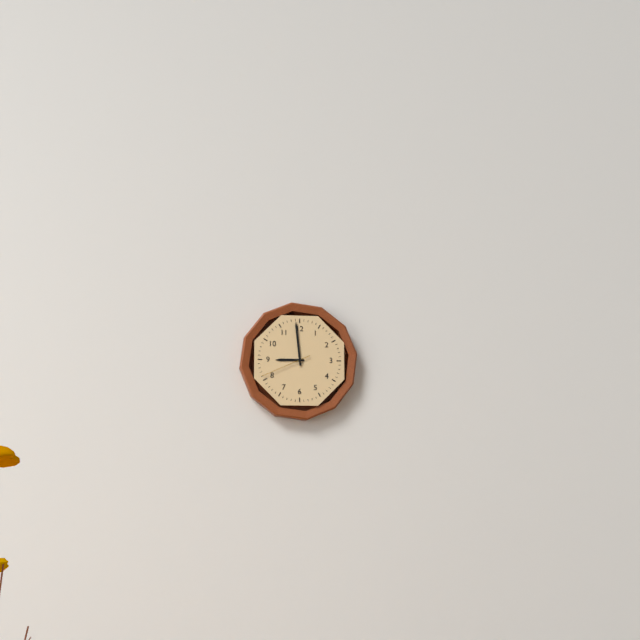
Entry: 8.59.41
